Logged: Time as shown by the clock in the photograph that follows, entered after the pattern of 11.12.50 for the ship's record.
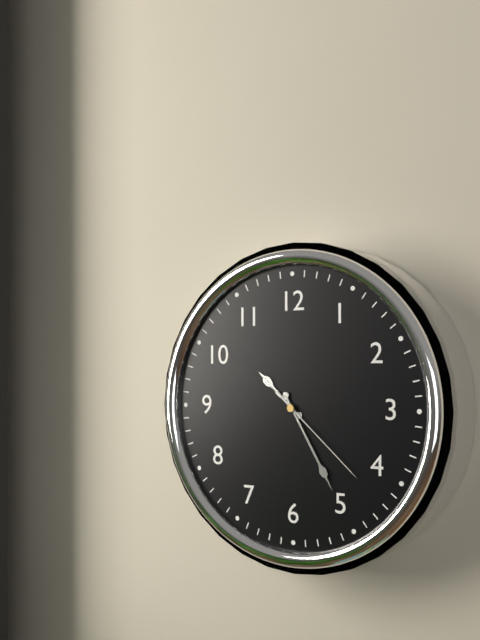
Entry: 10.25.22
